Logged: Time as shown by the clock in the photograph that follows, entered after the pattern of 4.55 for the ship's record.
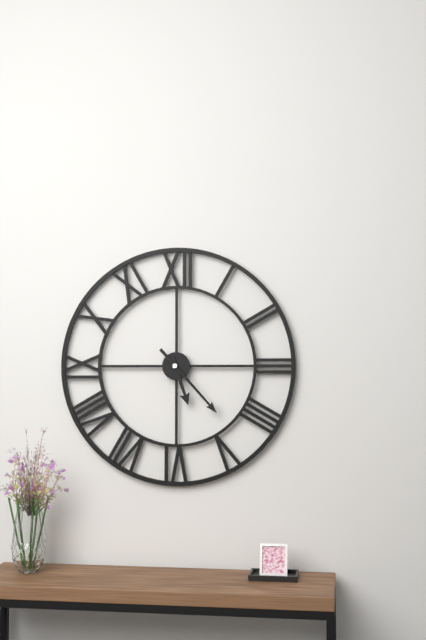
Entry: 5.23
